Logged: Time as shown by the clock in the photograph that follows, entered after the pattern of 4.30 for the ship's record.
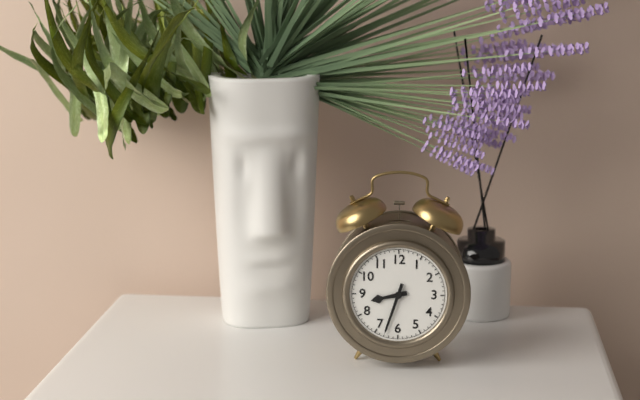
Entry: 8.33
